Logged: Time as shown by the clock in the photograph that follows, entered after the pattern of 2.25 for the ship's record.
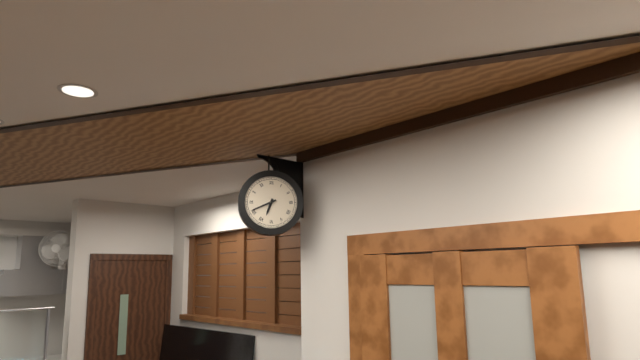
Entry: 6.41
